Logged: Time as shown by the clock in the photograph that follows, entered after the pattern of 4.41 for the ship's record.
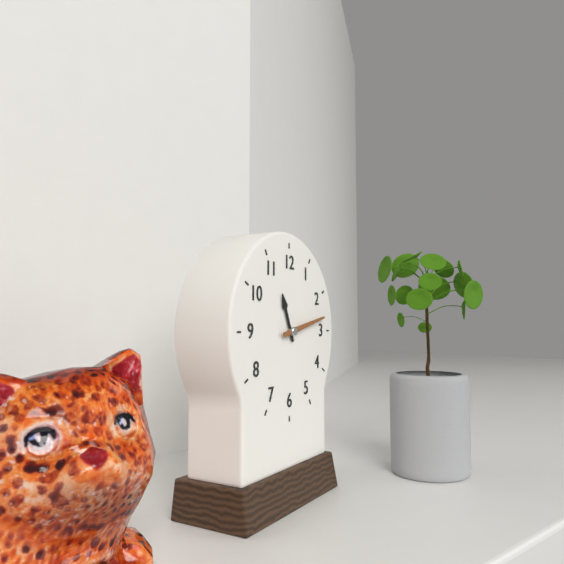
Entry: 11.13
